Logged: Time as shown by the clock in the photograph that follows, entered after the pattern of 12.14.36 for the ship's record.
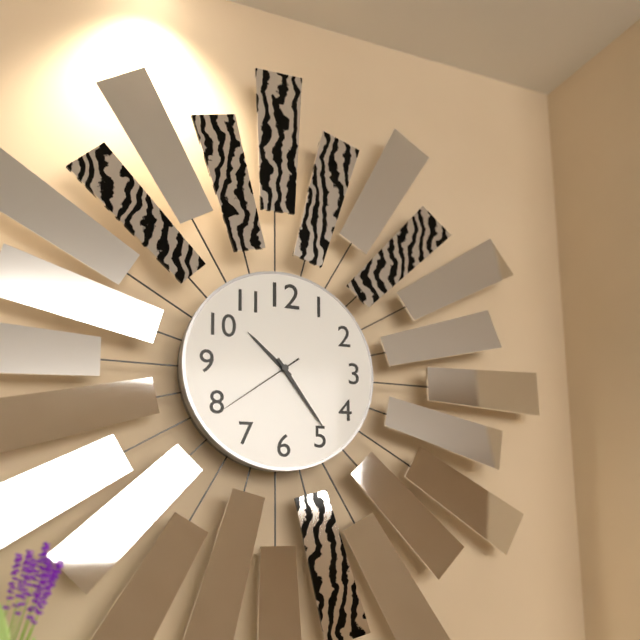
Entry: 10.24.39
